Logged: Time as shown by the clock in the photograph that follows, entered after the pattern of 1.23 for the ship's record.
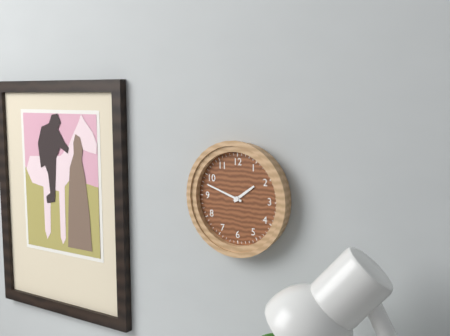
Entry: 1.48
